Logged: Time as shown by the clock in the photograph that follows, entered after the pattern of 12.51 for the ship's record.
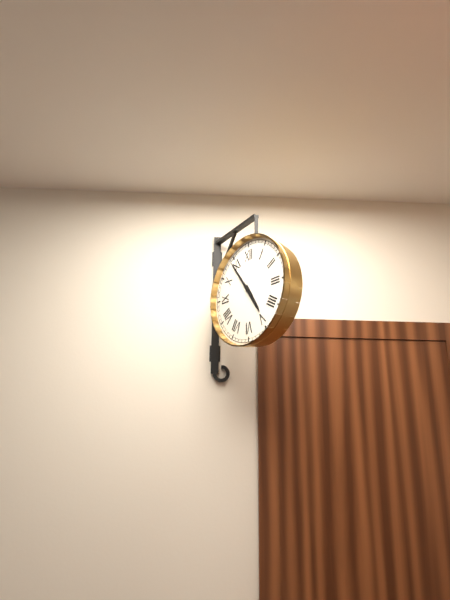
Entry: 4.54
